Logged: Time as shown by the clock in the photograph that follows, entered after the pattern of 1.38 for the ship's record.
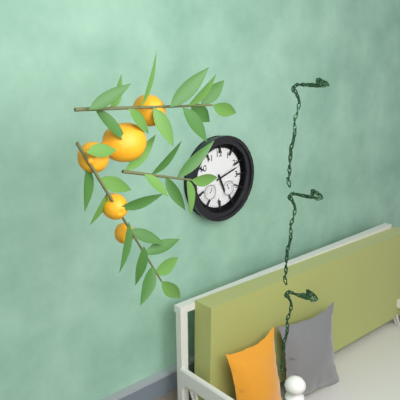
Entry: 5.12
